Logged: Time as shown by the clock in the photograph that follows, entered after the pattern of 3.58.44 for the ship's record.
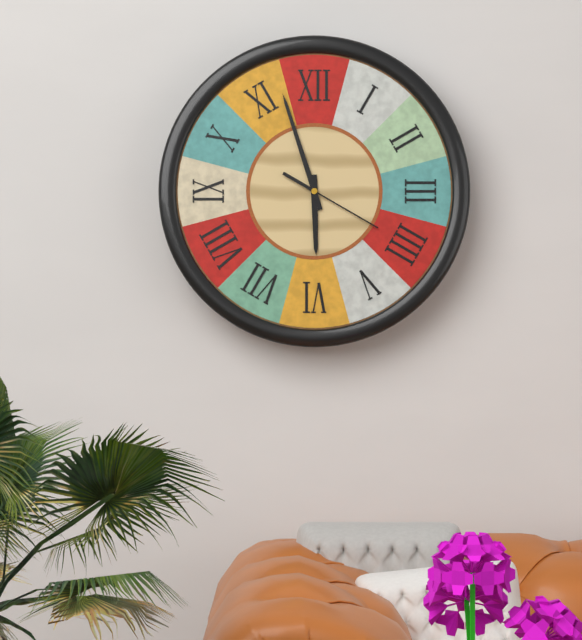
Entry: 5.57.20
